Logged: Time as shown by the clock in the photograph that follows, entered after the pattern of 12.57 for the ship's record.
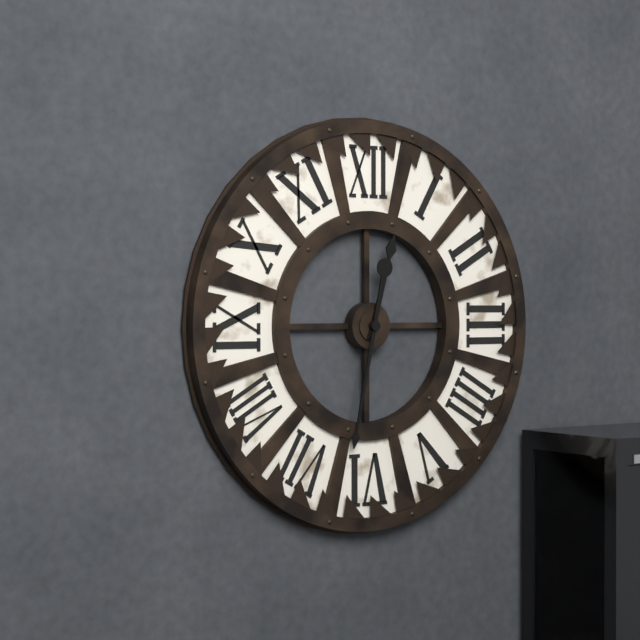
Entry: 12.32
